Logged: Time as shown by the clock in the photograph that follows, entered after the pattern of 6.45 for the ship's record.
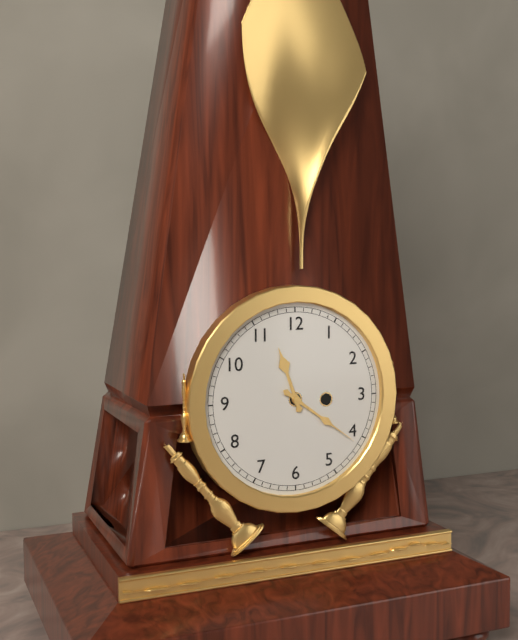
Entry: 11.21
